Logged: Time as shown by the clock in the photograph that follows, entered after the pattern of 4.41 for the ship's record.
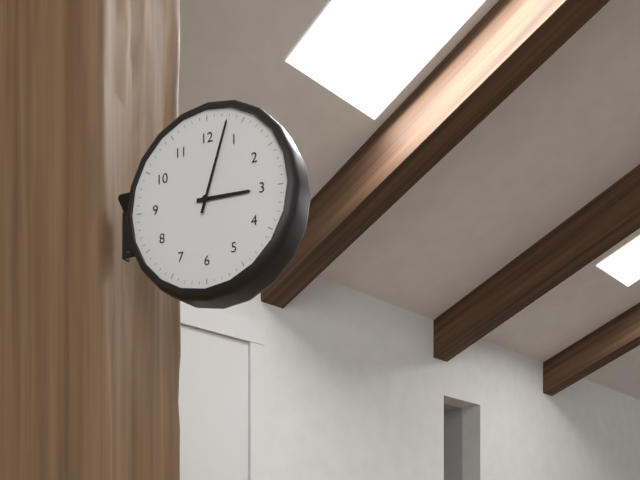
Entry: 3.03
